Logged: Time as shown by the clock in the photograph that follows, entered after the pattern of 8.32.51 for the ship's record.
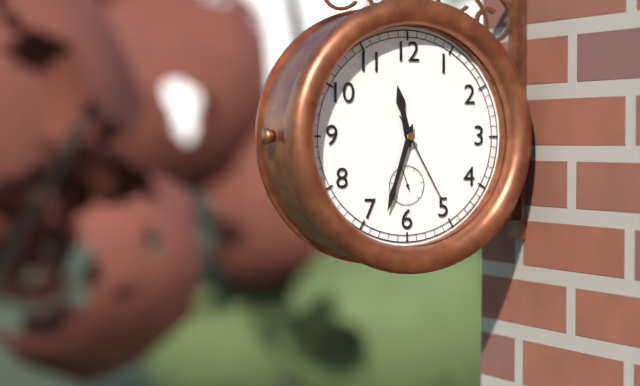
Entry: 11.33.25
